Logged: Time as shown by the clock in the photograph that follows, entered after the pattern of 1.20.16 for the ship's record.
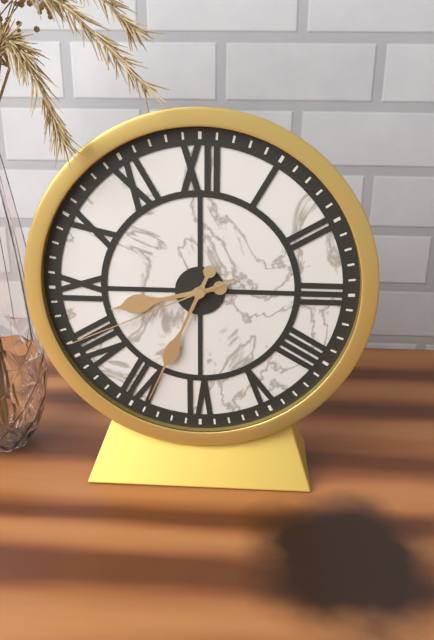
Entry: 8.34.41
